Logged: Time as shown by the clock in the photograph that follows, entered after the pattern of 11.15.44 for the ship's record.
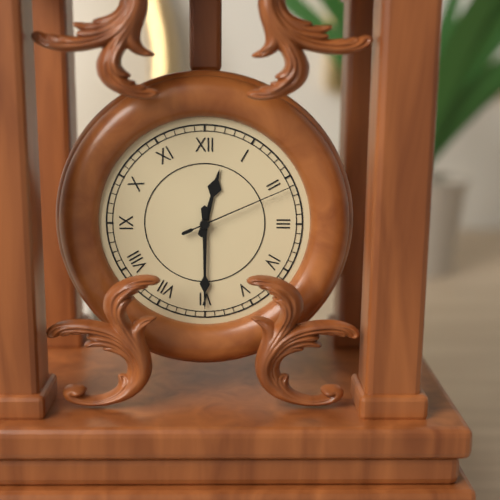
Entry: 12.30.11
